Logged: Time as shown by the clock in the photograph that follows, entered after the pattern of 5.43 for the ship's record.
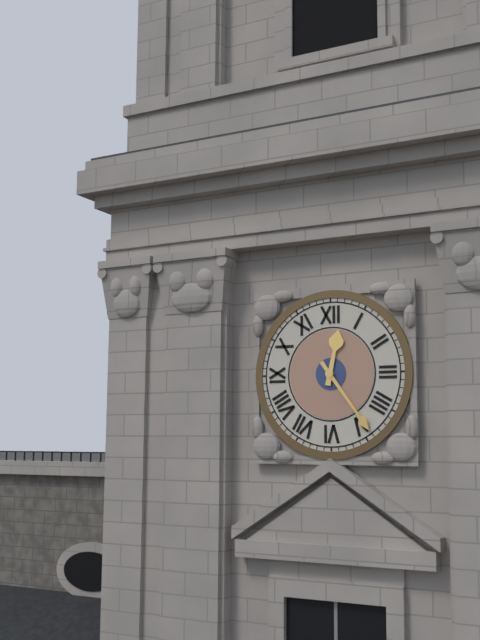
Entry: 12.24
